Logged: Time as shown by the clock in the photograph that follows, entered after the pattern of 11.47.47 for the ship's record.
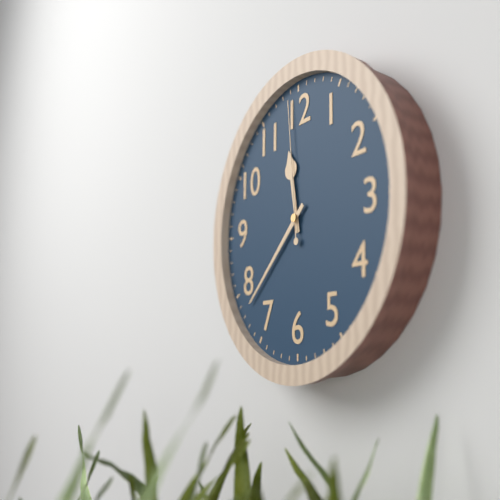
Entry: 11.38.59
